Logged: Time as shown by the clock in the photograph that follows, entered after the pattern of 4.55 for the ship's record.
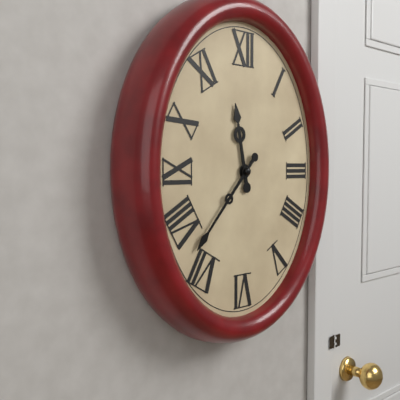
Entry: 11.37
